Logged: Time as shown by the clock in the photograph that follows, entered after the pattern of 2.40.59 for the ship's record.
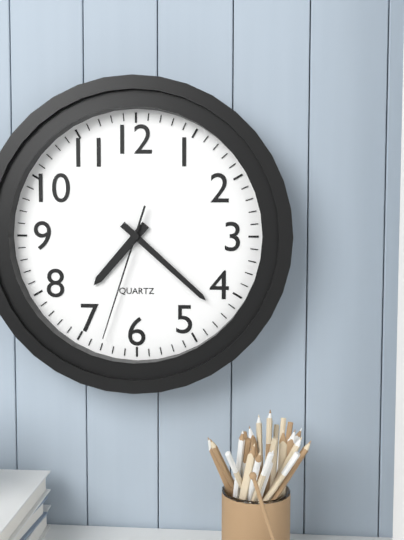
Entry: 7.22.33
